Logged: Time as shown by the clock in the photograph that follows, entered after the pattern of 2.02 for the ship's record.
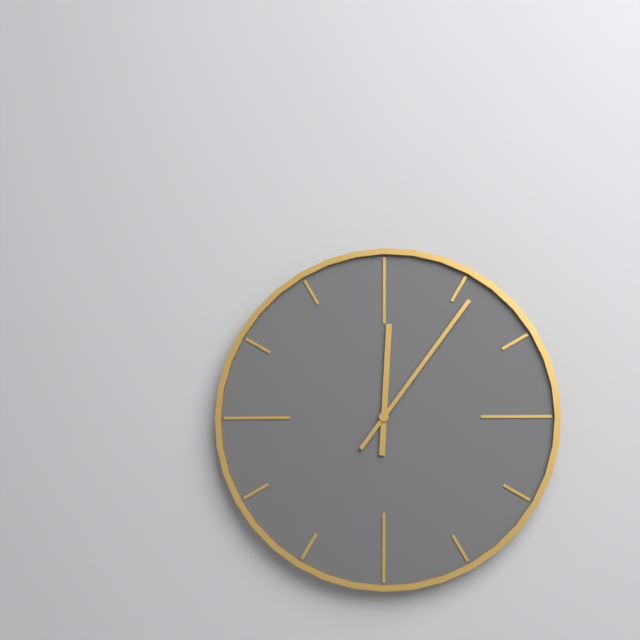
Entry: 12.06
